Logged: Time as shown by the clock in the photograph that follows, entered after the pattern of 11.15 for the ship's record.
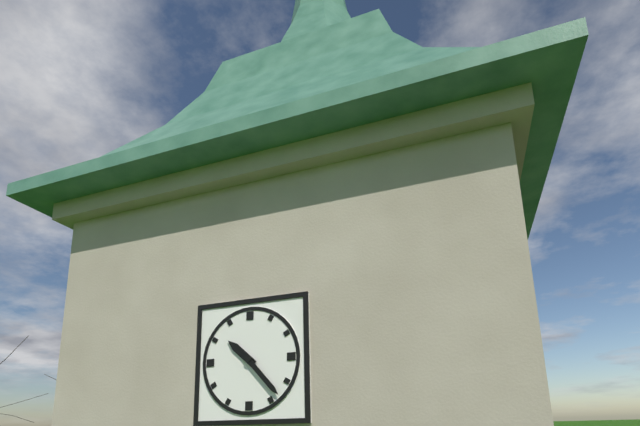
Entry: 10.23
